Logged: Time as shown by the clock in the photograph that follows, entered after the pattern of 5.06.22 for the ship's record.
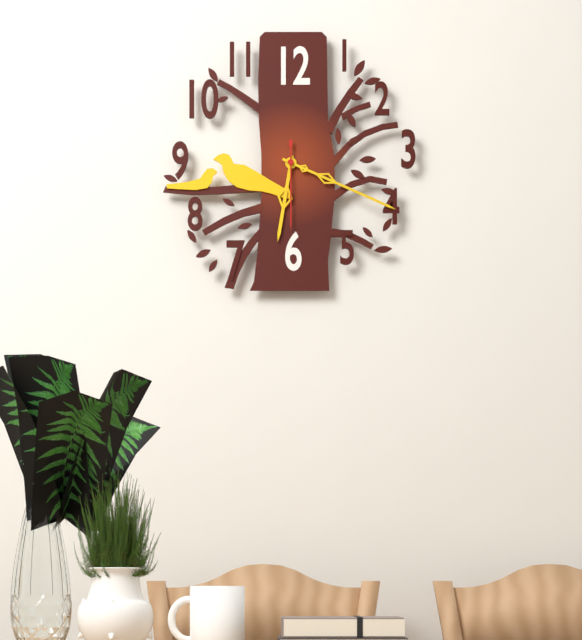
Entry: 6.19.30
